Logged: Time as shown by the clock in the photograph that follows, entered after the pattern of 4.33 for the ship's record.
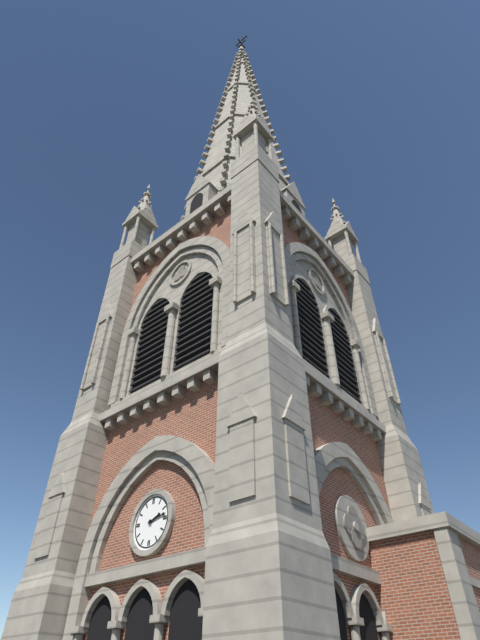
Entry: 2.13
